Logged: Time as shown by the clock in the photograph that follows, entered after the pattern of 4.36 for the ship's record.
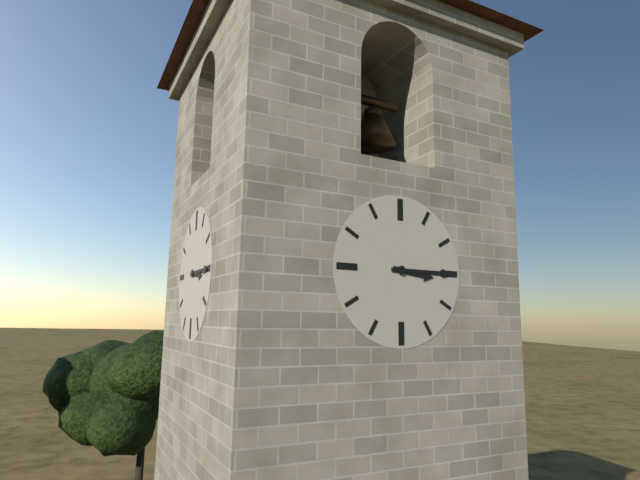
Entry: 3.15
